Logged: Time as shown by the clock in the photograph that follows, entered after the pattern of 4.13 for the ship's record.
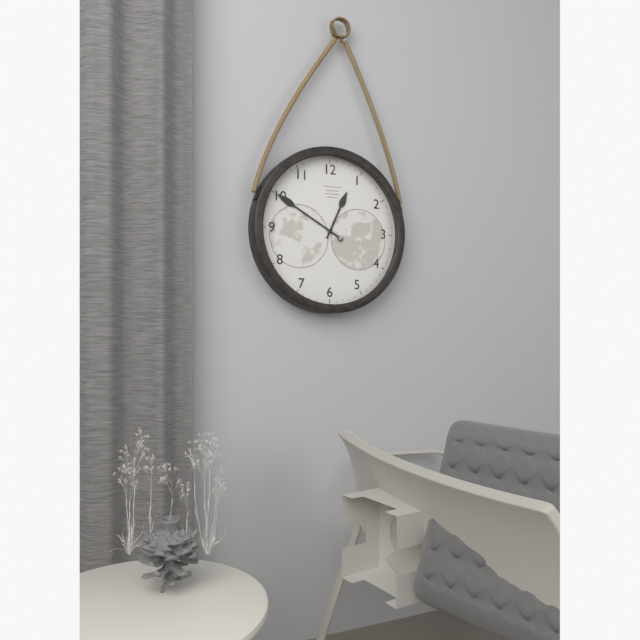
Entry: 12.50
